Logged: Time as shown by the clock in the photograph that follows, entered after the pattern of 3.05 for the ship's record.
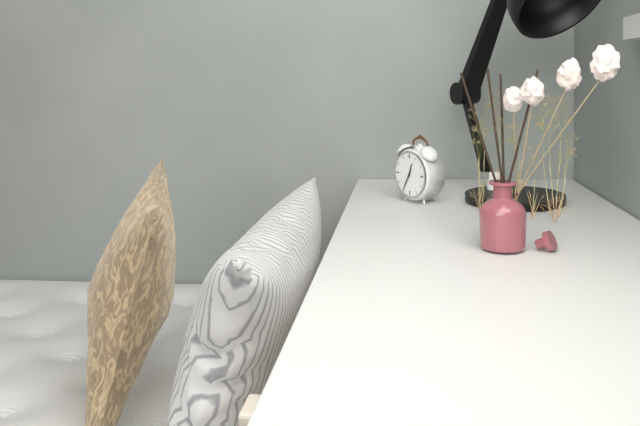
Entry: 12.35
